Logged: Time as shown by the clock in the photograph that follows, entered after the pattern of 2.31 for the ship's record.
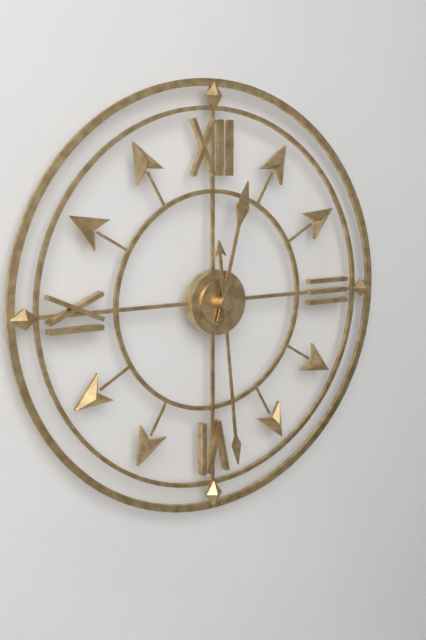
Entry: 12.29
